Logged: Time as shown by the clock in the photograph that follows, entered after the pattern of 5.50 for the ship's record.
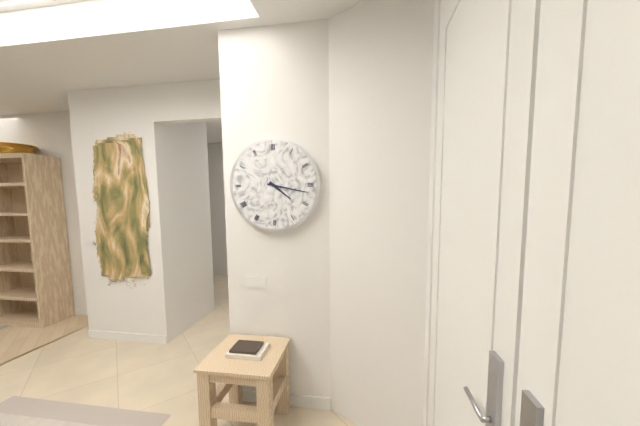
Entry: 4.17
